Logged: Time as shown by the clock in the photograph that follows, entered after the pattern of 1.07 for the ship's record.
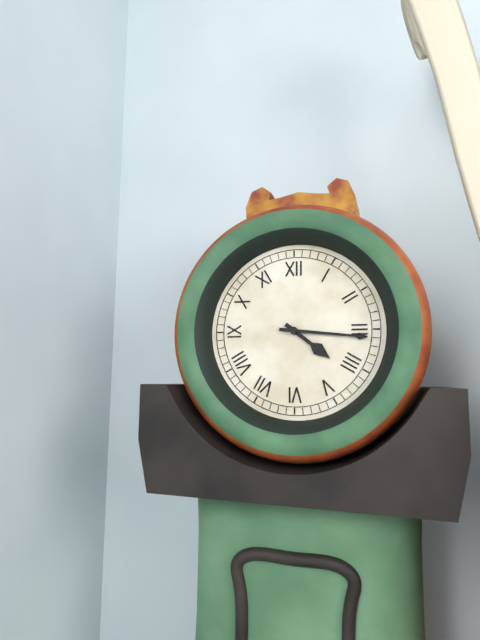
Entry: 4.16
